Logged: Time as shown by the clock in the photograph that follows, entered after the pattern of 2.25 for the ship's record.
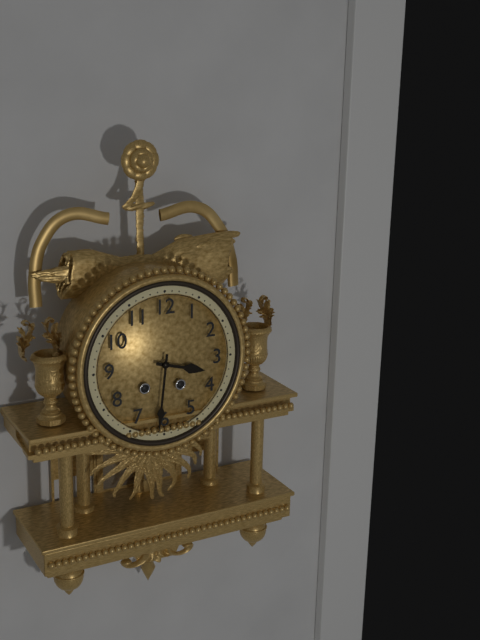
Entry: 3.31
